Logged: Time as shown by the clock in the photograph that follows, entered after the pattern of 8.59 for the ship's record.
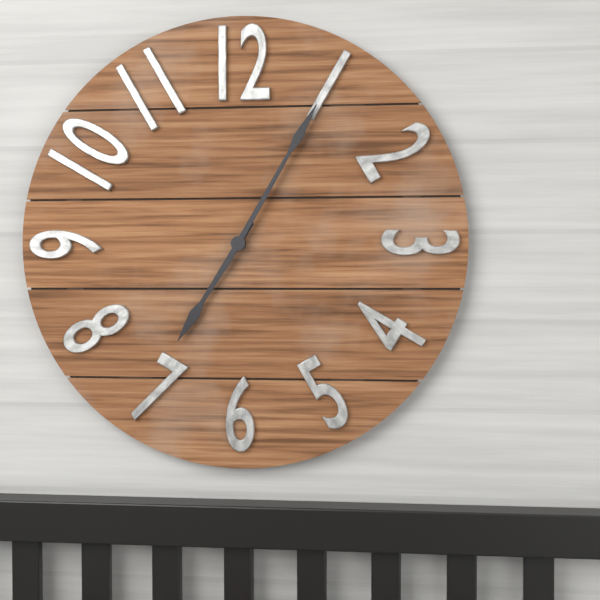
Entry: 7.05
